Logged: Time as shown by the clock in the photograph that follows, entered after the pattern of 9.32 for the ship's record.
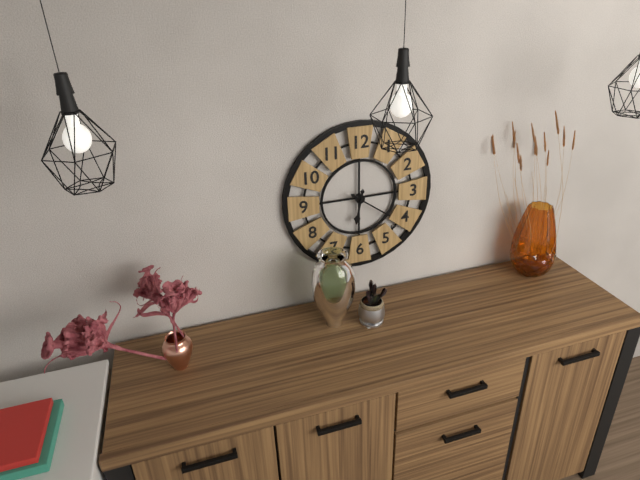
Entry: 6.21
